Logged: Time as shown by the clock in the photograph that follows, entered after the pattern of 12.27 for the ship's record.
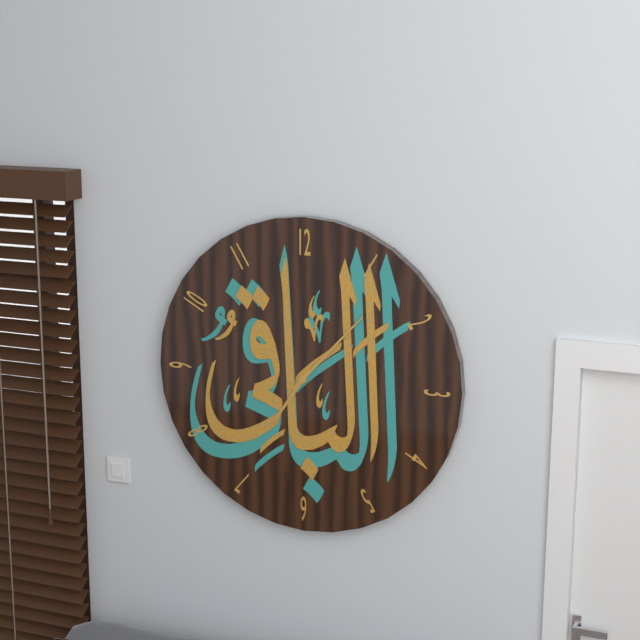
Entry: 7.07
